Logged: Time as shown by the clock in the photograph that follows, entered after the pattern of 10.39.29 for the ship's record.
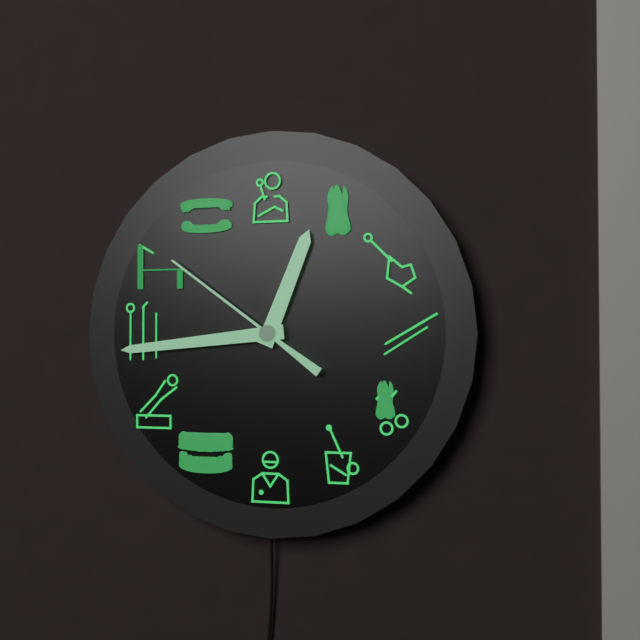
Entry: 12.44.51
